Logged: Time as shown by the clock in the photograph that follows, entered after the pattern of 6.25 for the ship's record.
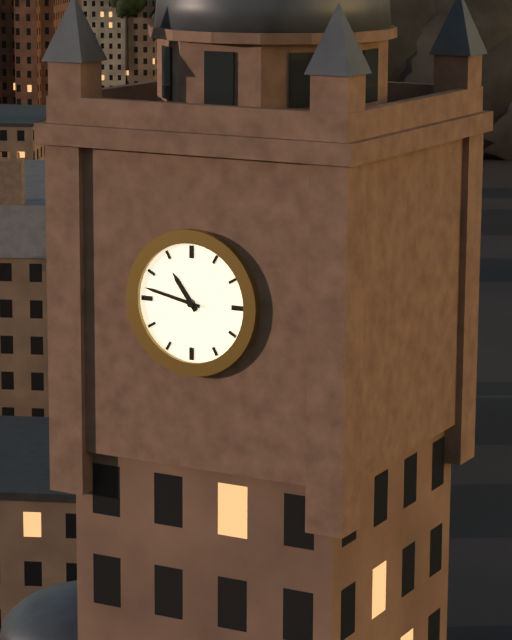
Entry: 10.47
